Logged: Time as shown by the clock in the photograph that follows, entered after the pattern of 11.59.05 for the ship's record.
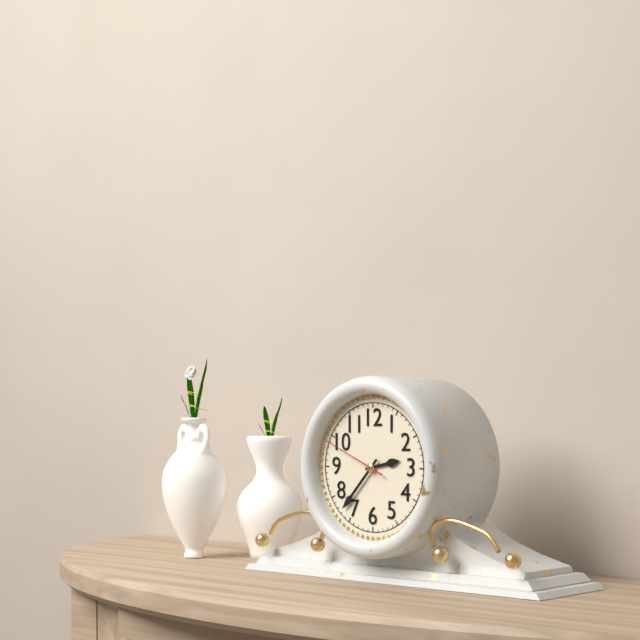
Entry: 2.37.49
